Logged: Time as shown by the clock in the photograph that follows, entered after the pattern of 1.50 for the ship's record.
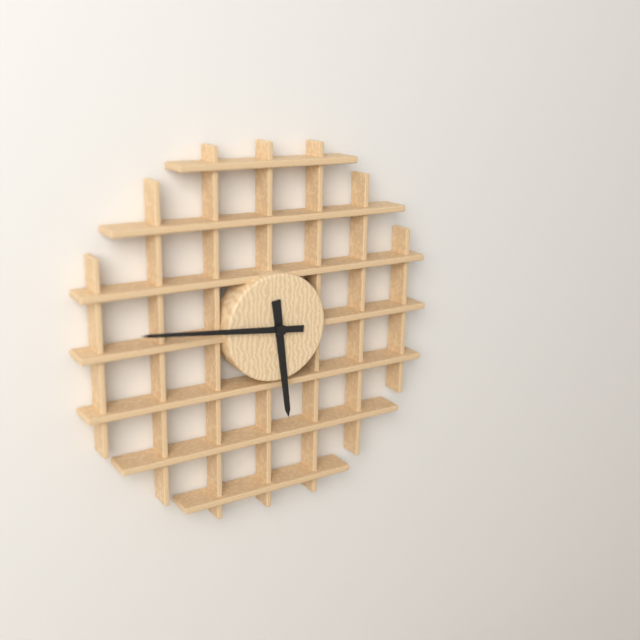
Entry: 5.46
